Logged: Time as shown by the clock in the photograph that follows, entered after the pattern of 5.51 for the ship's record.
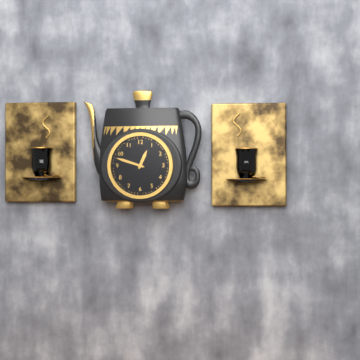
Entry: 12.48
